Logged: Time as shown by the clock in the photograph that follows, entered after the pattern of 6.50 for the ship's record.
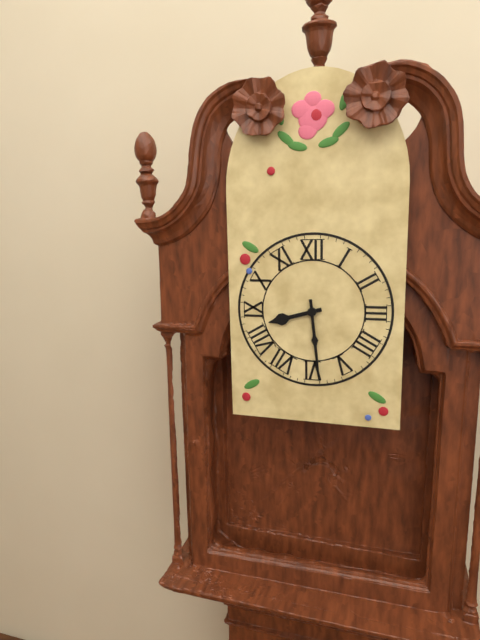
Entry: 8.29
